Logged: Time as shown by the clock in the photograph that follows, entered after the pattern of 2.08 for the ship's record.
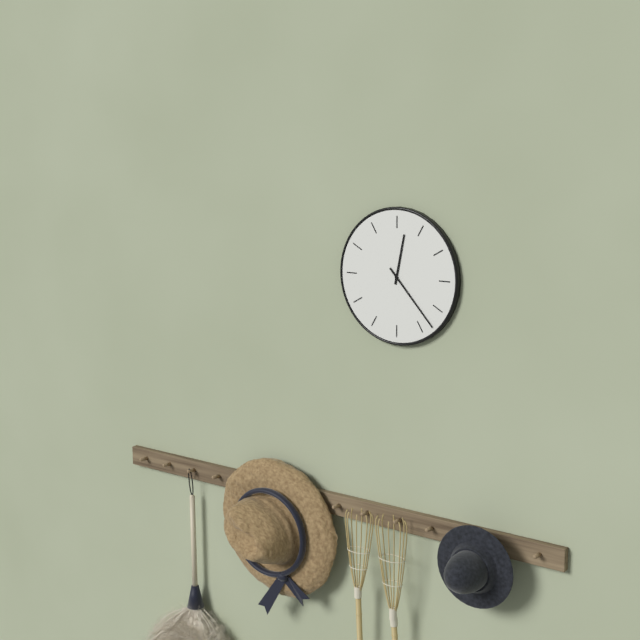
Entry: 12.23
